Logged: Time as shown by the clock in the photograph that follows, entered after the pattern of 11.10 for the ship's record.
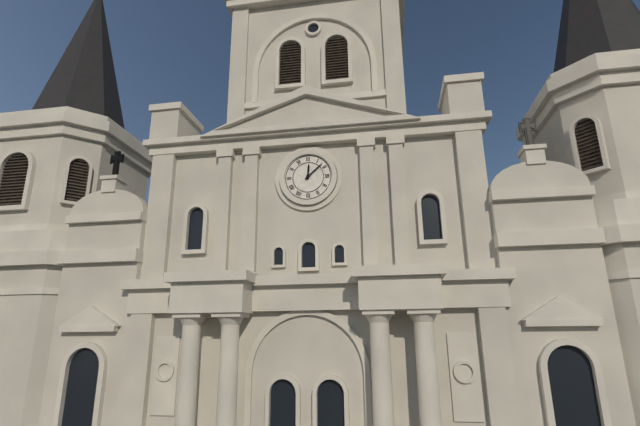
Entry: 12.08
